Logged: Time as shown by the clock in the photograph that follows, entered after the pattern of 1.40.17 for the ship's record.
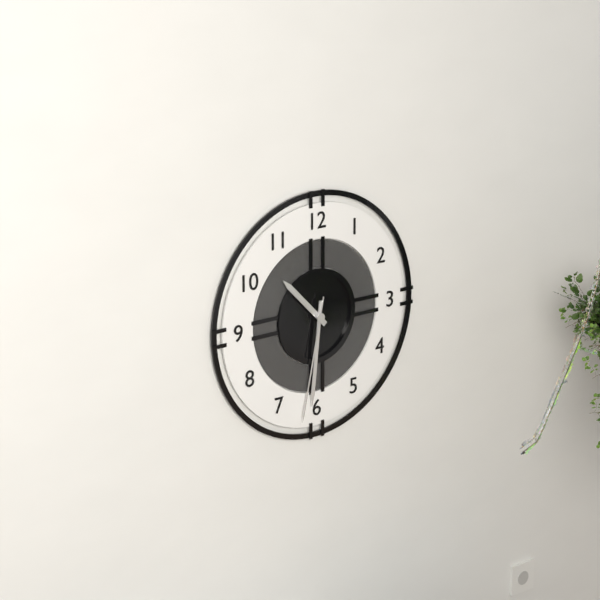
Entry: 10.31.32
